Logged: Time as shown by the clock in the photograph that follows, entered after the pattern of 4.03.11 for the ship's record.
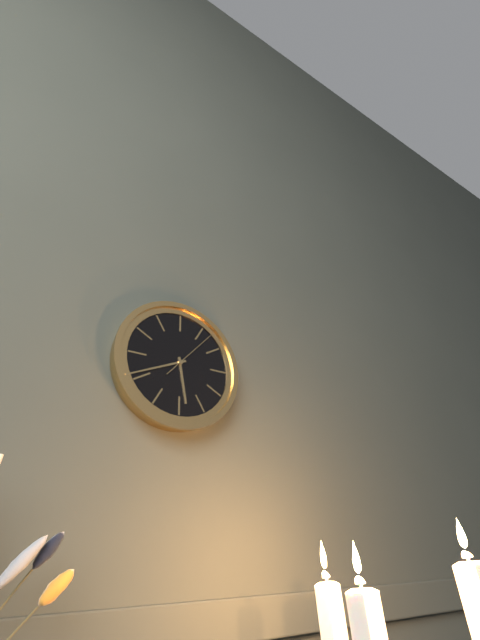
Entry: 5.41.07
